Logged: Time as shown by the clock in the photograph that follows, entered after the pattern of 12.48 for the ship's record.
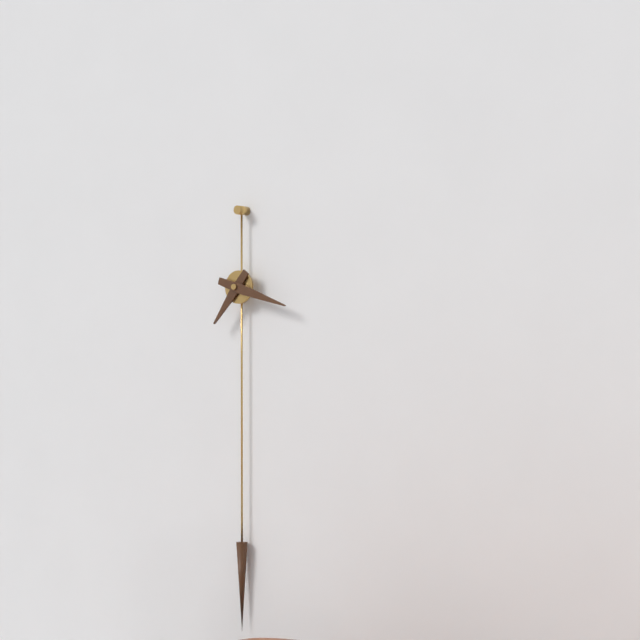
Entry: 7.18
